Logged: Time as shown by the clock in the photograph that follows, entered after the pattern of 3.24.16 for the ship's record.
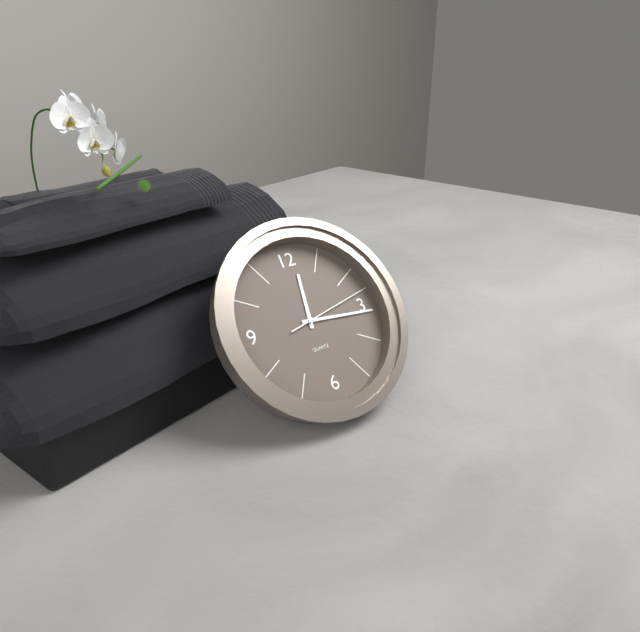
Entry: 12.16.13
